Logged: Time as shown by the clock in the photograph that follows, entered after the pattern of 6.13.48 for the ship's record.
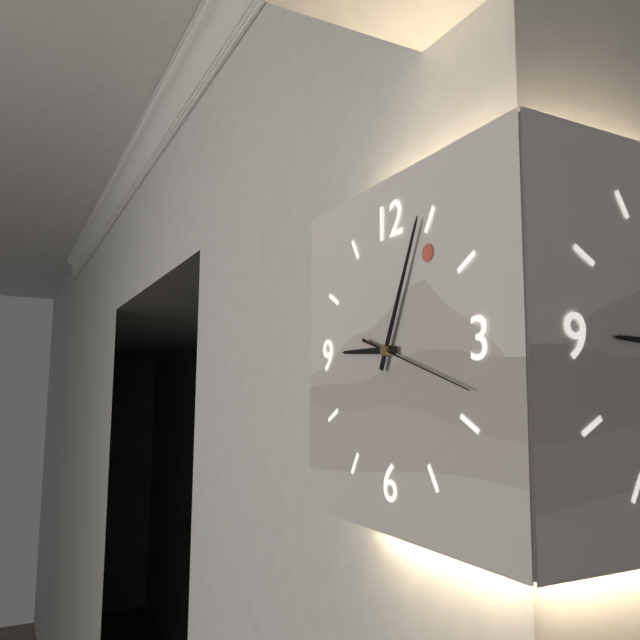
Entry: 9.04.18
